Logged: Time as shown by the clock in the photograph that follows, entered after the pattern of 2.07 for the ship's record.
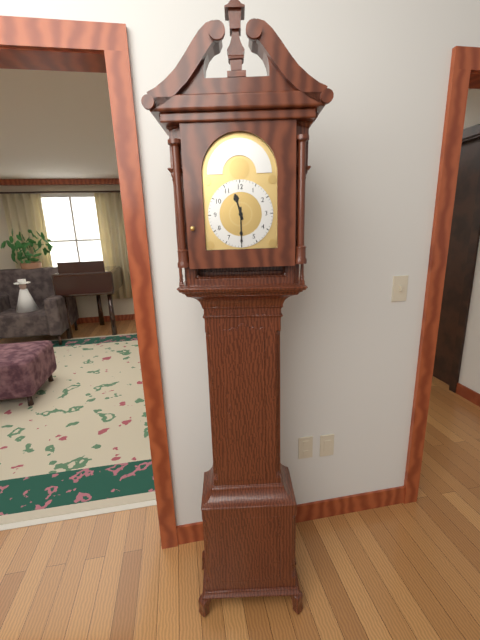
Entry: 11.30
